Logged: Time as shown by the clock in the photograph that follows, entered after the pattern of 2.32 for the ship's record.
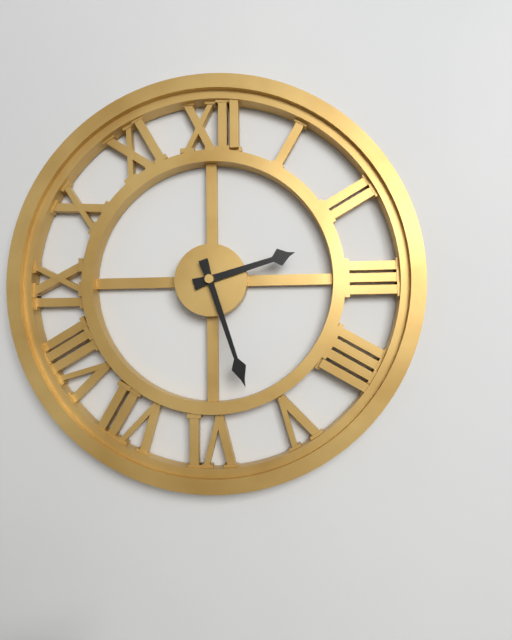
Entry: 2.27
